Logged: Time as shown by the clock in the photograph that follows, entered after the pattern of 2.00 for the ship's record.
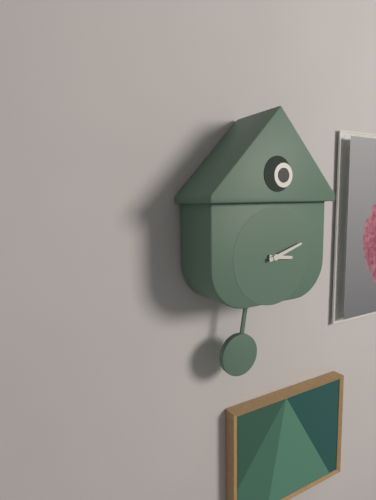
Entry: 3.12
